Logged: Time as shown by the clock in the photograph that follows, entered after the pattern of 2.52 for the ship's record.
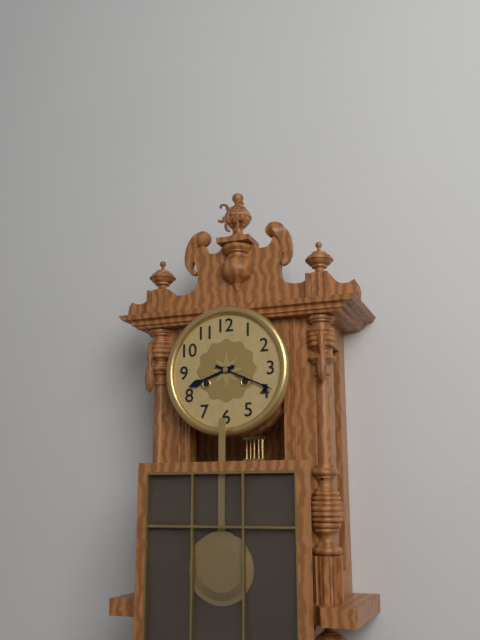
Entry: 8.19
